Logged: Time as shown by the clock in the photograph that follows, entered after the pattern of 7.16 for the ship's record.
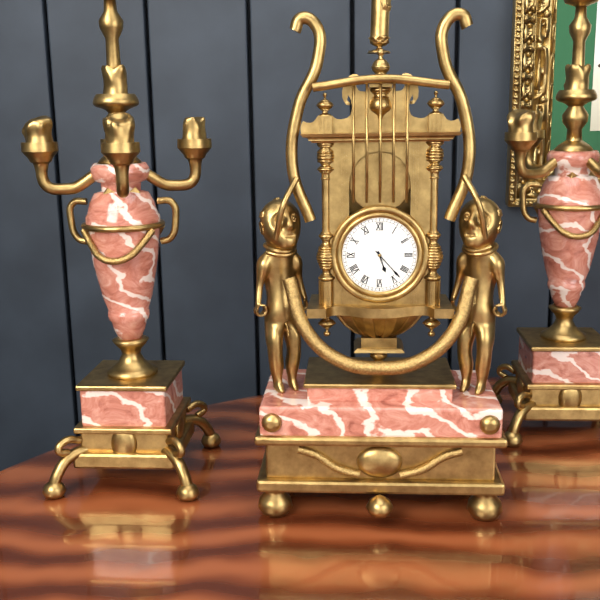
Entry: 5.23
